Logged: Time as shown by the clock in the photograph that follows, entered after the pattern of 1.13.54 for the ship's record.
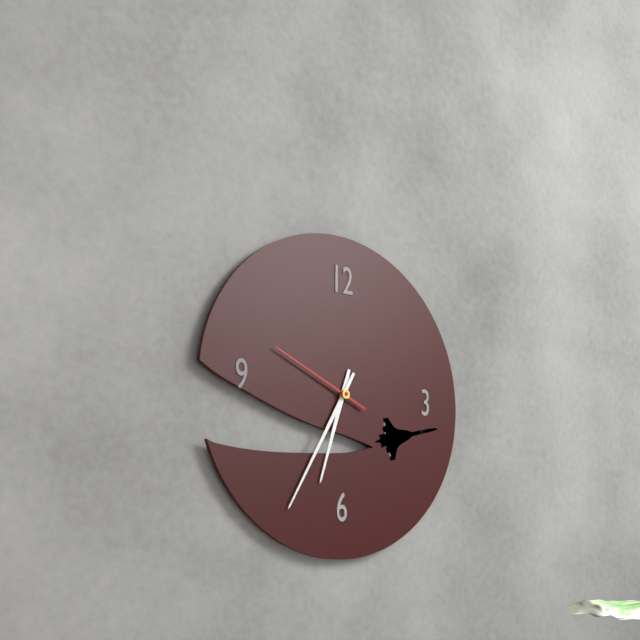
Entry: 6.35.49
